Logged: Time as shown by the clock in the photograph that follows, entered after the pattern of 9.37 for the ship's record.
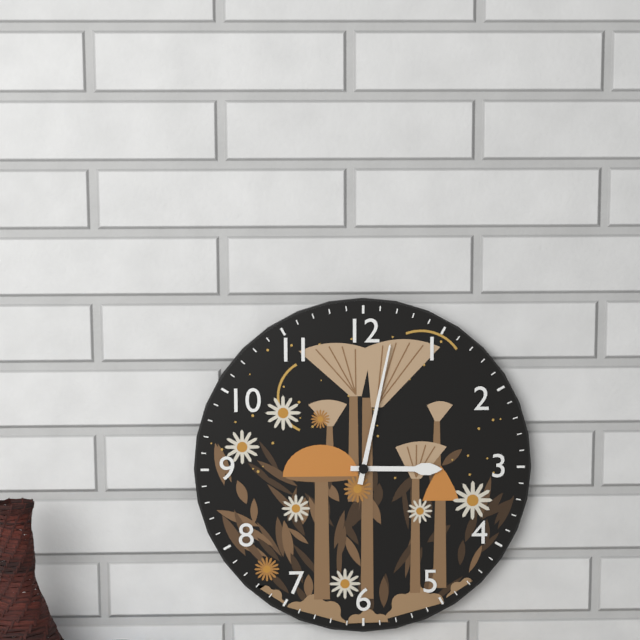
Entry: 3.02
